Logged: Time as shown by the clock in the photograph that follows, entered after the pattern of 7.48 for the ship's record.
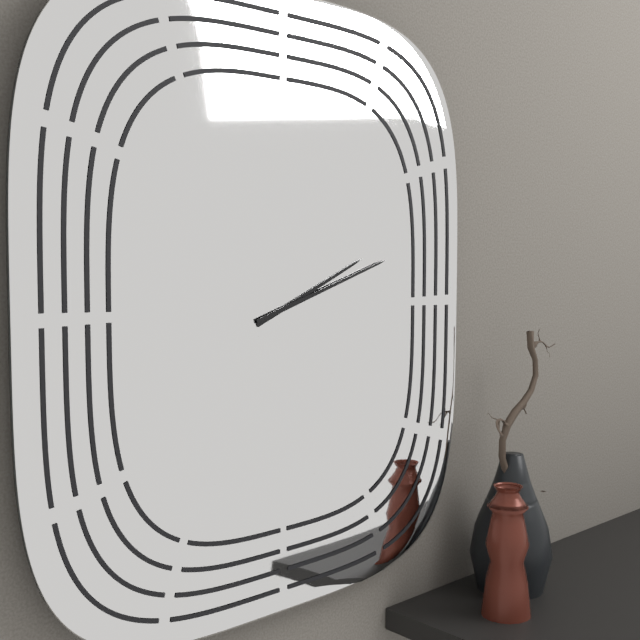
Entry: 2.12
